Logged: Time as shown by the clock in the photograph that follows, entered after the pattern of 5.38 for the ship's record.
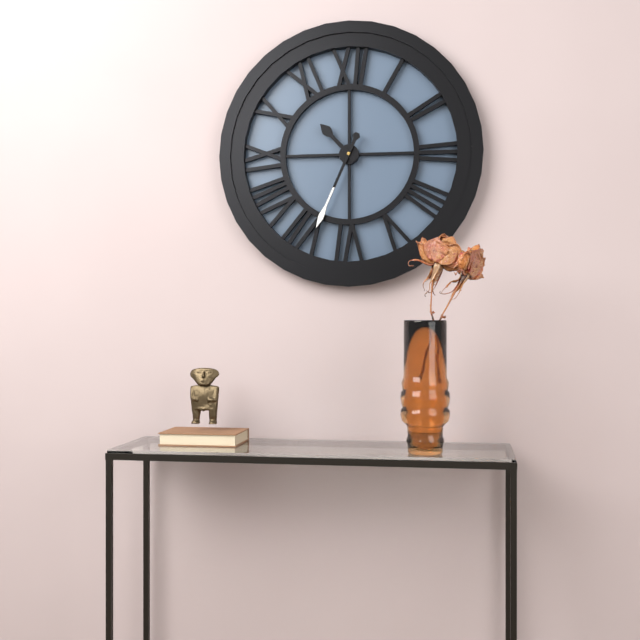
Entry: 10.34
